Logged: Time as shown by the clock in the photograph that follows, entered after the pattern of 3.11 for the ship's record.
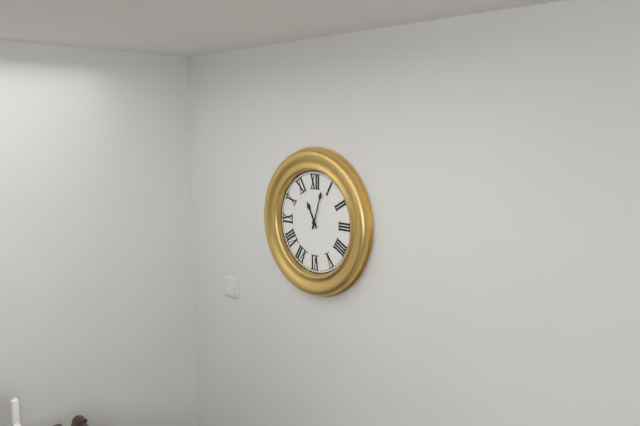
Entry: 11.03
